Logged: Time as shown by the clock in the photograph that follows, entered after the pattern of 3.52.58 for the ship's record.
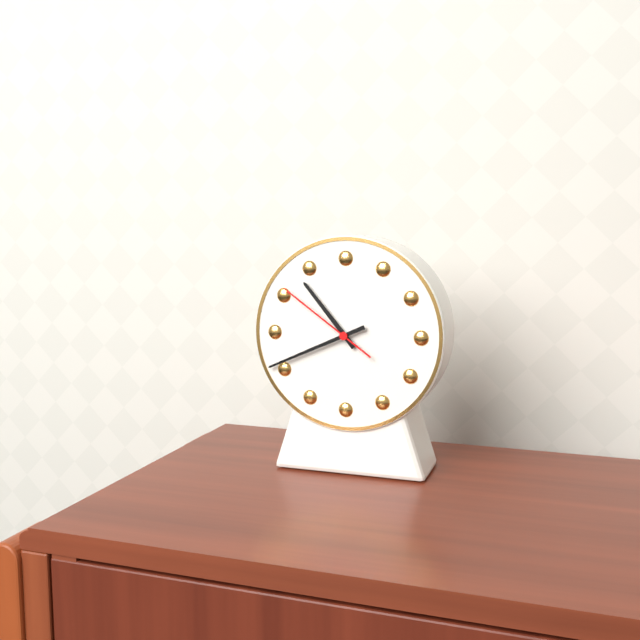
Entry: 10.41.51
